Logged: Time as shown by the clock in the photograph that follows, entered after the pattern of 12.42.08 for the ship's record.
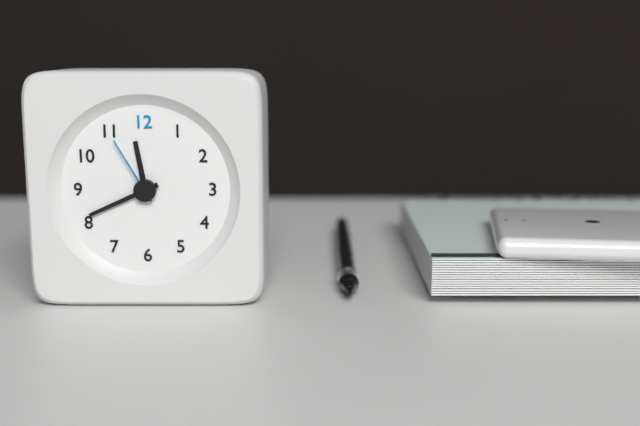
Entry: 11.41.55
